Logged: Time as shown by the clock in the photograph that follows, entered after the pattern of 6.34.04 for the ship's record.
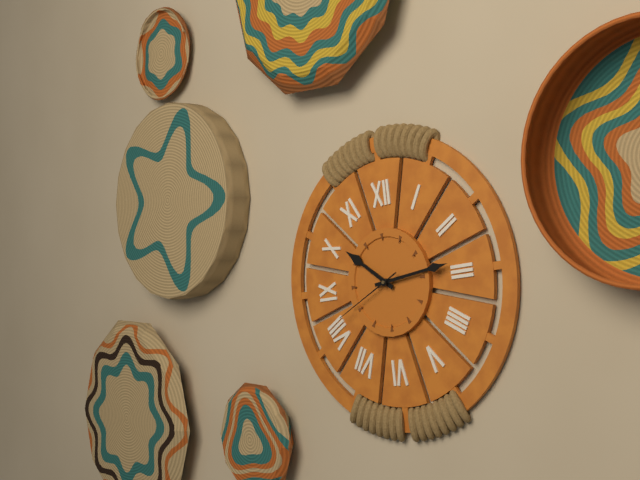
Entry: 10.14.41
